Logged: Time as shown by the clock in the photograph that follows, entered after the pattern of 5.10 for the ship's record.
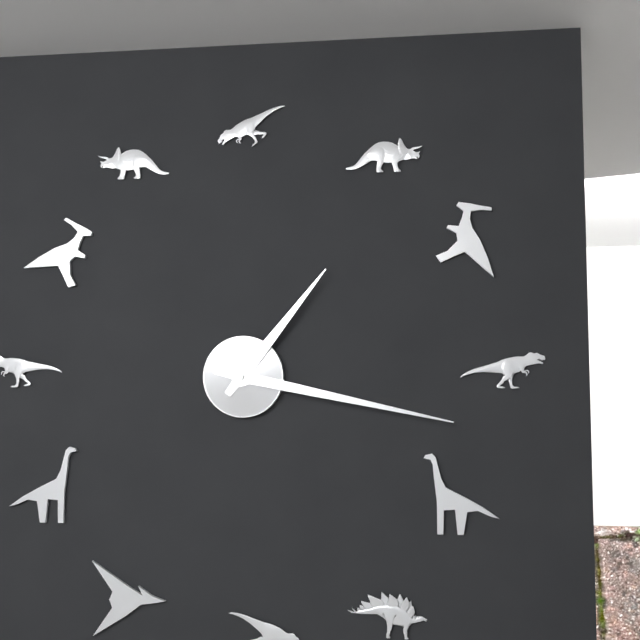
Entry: 1.17
